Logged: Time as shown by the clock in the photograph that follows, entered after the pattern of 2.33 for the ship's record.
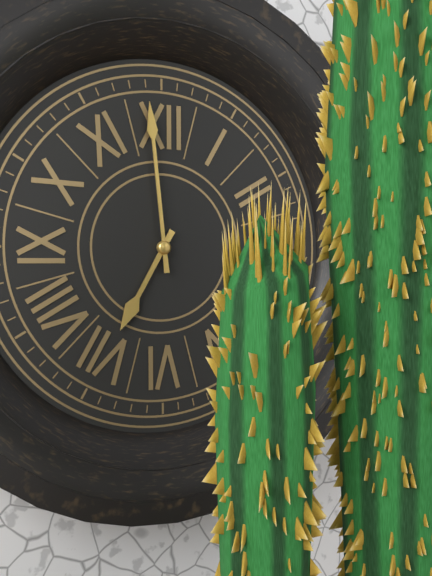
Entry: 6.59
